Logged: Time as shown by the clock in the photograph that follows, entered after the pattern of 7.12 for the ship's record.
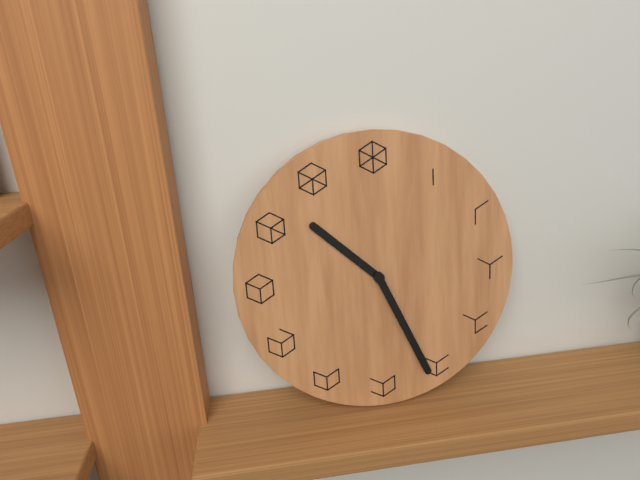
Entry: 10.26
